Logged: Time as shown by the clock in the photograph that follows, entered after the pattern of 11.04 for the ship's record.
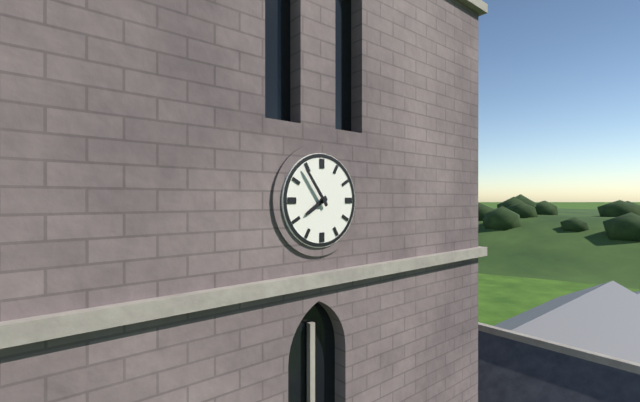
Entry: 7.54
